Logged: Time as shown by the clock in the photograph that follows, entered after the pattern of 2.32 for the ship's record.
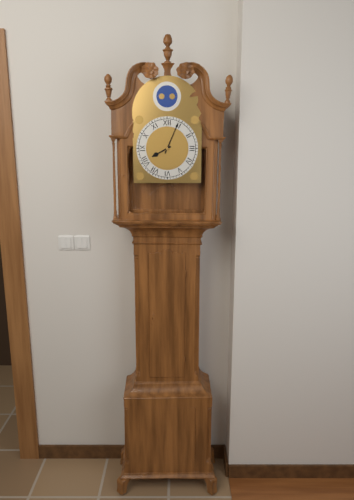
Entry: 8.04
